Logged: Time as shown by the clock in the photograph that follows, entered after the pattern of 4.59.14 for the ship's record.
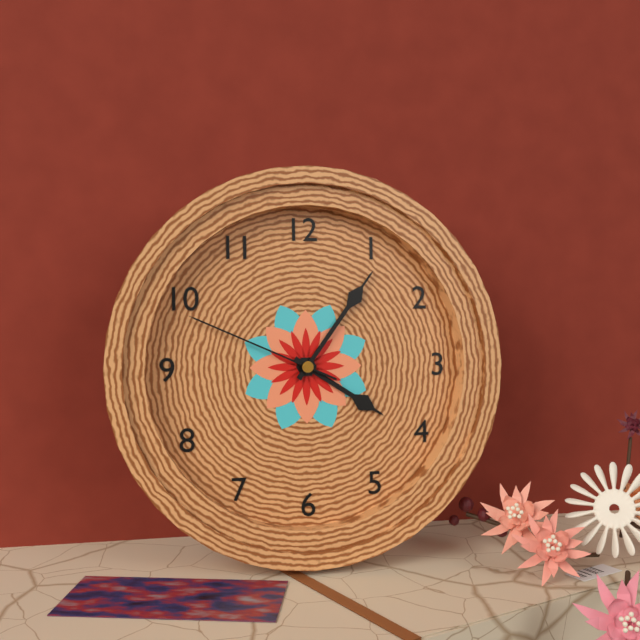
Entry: 4.06.49
